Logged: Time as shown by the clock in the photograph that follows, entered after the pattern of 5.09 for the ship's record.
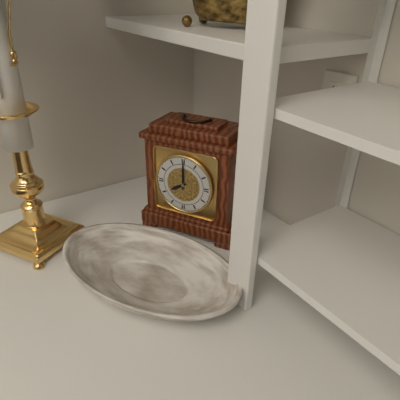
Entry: 8.00
